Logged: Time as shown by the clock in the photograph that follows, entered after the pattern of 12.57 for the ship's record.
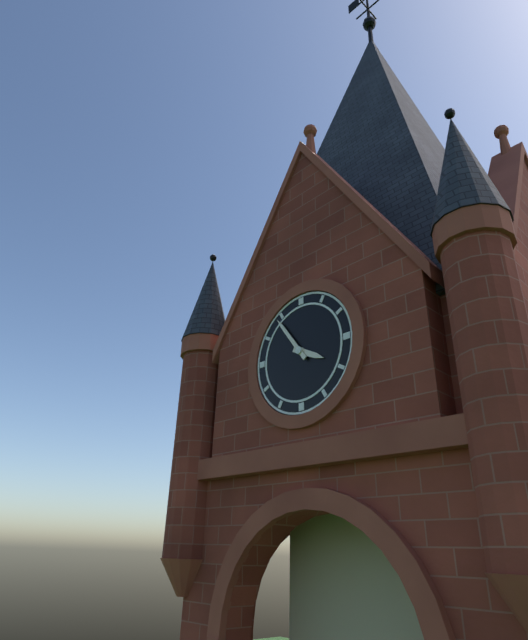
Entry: 3.54
